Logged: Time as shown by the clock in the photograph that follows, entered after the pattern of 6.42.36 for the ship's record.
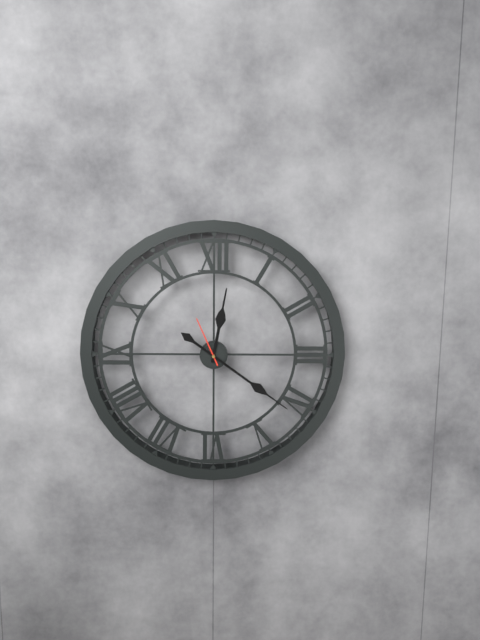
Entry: 12.21.56
